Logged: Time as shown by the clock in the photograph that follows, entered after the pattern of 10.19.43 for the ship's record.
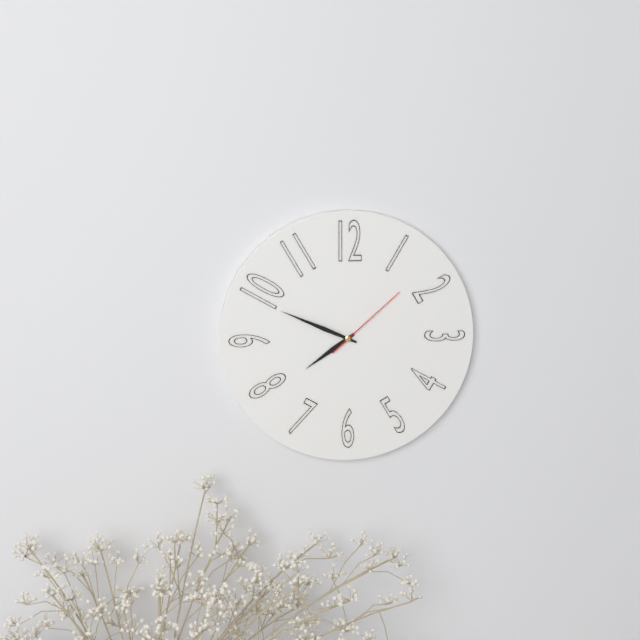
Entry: 7.49.08
